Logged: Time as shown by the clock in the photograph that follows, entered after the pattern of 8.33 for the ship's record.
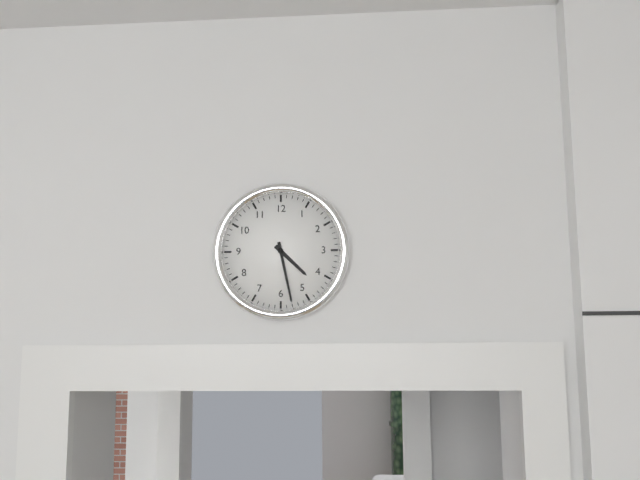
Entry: 4.28
